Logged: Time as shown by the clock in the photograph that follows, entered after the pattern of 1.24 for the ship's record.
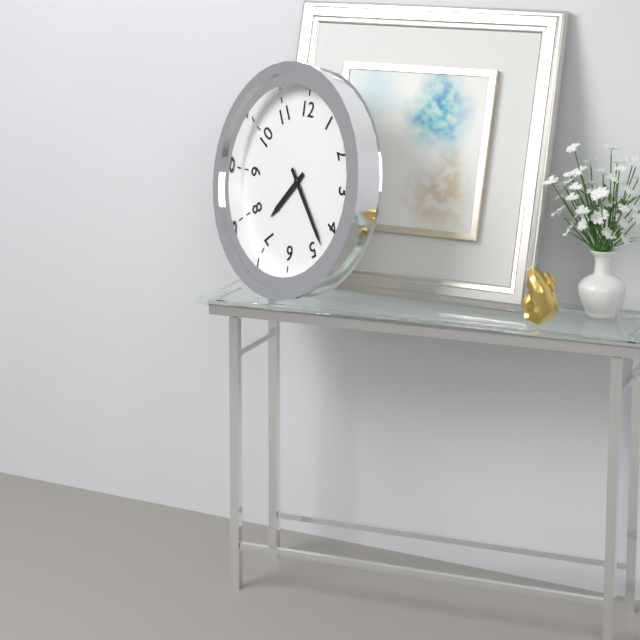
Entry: 7.23
